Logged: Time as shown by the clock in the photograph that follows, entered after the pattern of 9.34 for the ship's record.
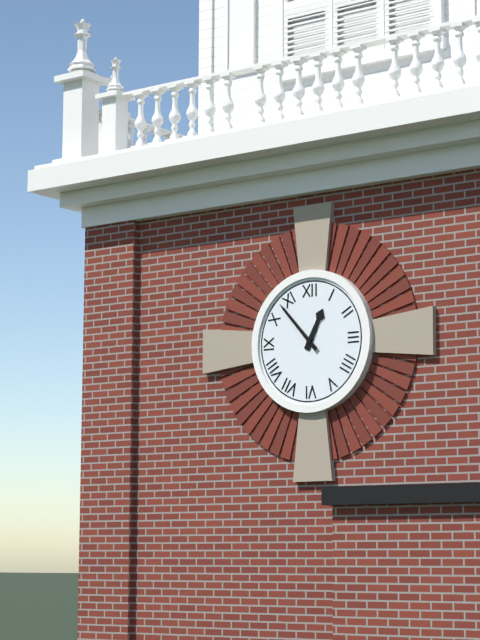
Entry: 12.53
